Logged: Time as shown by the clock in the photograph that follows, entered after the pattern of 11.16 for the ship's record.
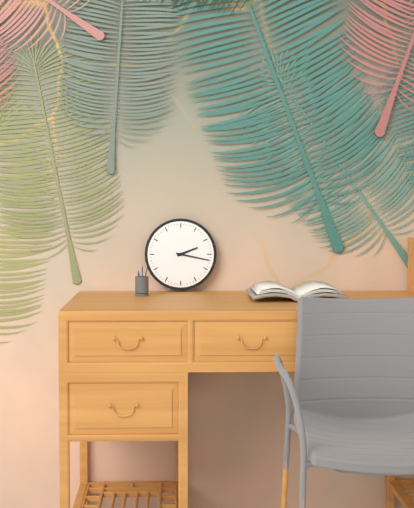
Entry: 2.17
